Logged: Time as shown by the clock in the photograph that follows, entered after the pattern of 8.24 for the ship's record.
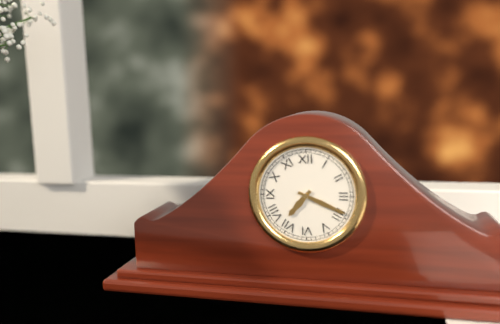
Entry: 7.19
